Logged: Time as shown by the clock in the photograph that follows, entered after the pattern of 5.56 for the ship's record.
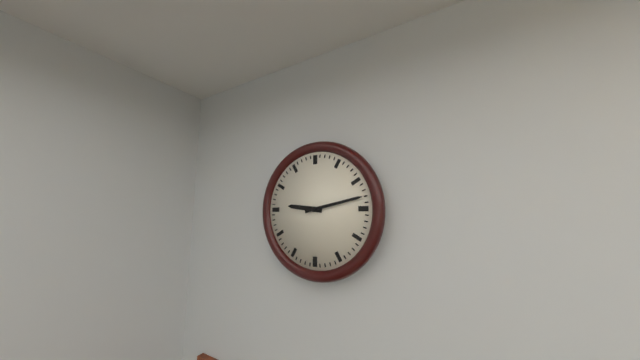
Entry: 9.13
